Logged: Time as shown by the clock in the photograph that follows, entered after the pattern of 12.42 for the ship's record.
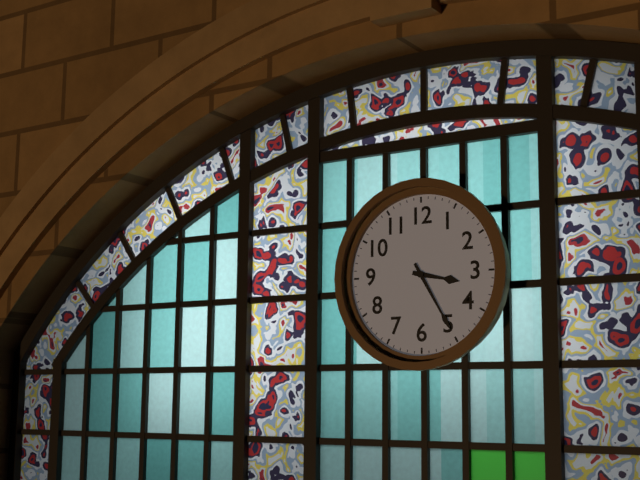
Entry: 3.25
